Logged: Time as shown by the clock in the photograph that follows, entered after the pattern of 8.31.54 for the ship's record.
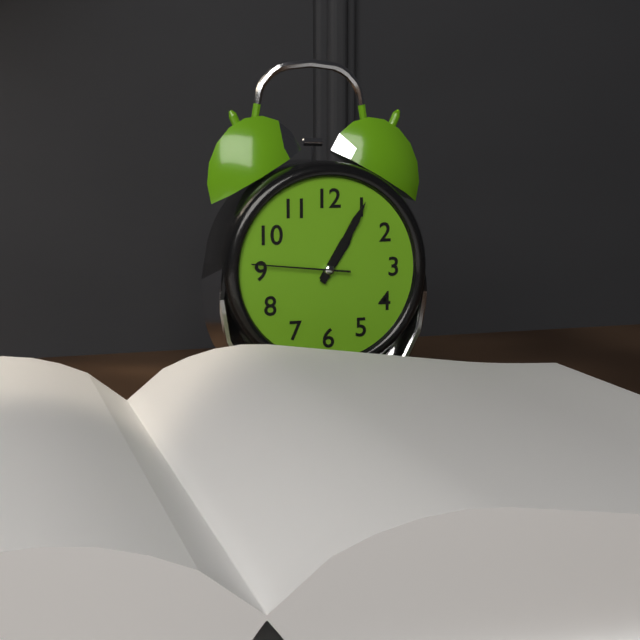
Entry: 1.05.46
